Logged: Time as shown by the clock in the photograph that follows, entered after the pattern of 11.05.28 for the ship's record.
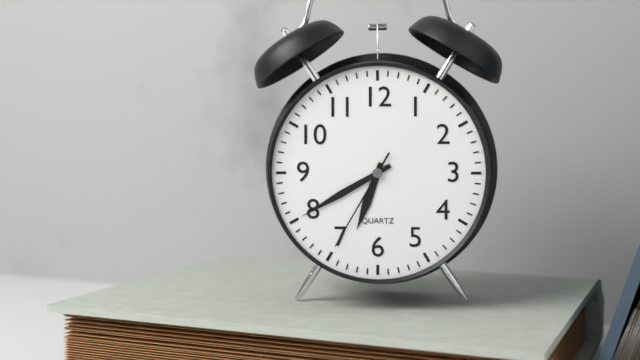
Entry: 6.40.35
